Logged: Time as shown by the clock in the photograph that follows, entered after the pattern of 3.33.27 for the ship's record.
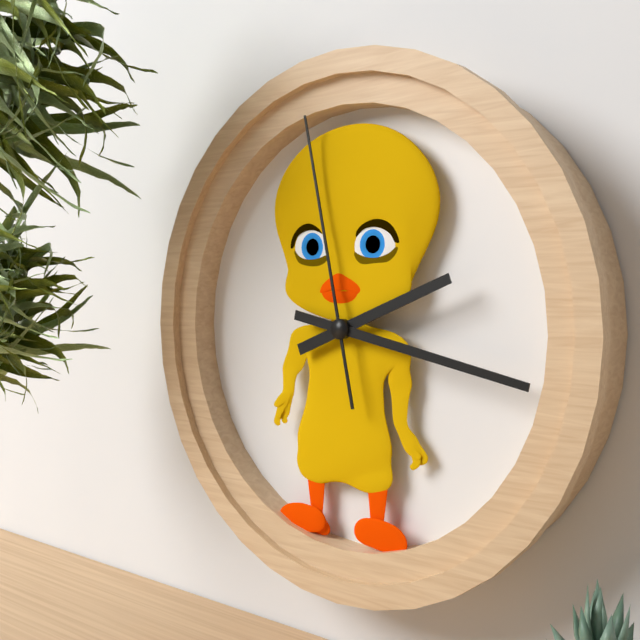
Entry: 2.17.58
